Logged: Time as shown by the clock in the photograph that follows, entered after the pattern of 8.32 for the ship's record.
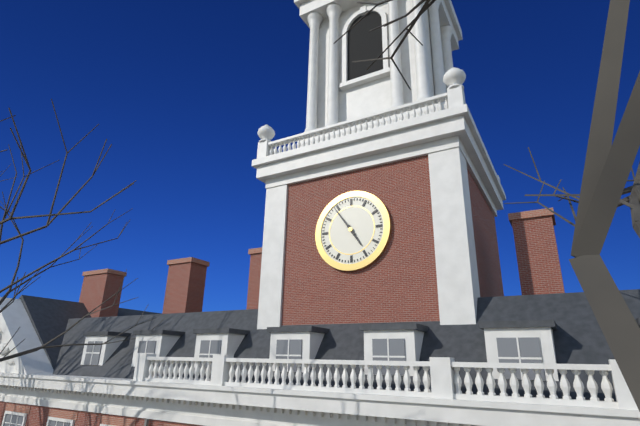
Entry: 4.54
